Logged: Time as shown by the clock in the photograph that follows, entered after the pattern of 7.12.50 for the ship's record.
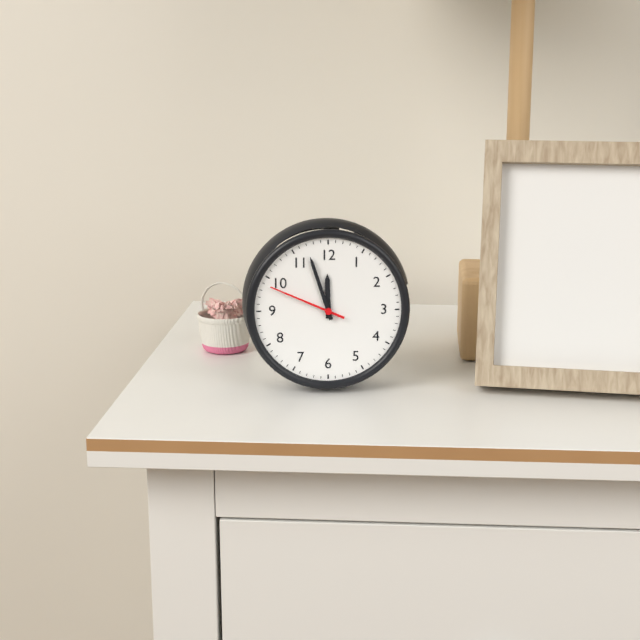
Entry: 11.57.49
